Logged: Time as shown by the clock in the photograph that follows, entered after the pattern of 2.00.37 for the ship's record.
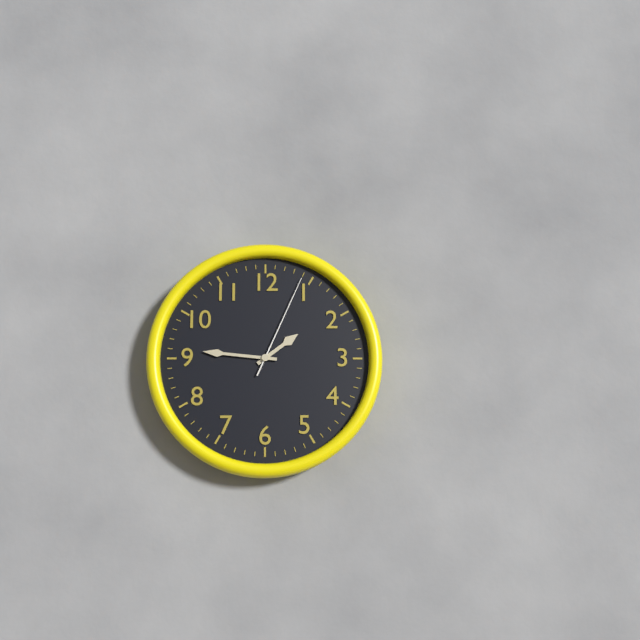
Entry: 1.46.04
